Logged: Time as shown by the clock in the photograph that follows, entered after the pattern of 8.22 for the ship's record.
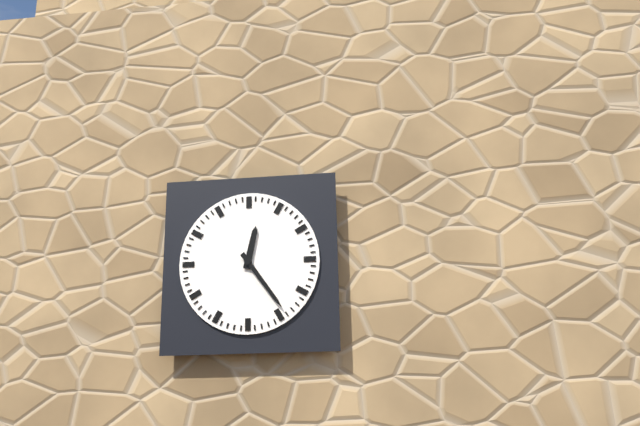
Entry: 12.24
